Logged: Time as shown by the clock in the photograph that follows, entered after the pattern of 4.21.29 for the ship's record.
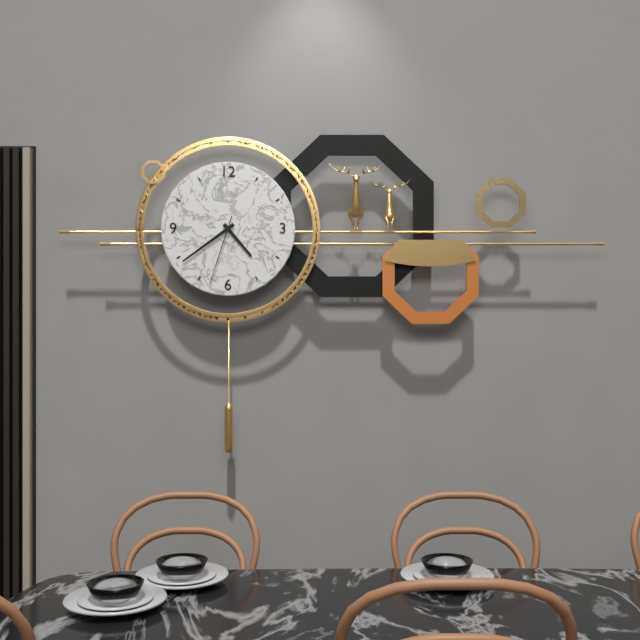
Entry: 4.39.33
